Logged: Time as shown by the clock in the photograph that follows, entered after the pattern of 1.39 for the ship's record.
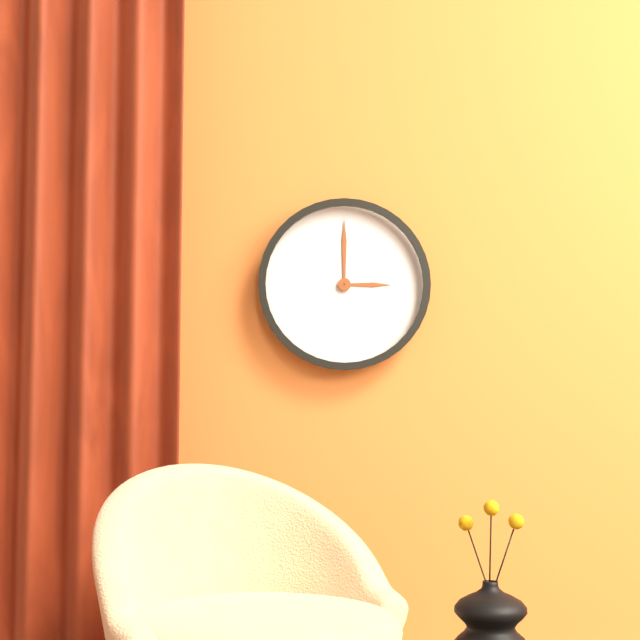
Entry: 3.00
